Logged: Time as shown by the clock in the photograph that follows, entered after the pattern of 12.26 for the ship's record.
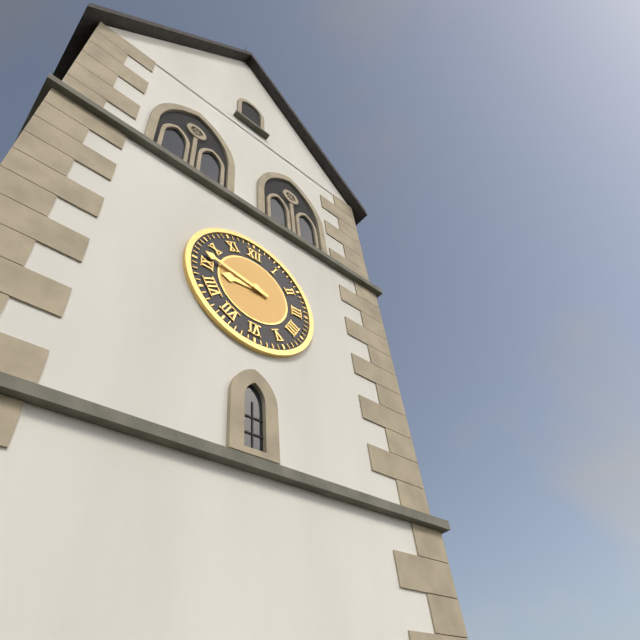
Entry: 8.47
